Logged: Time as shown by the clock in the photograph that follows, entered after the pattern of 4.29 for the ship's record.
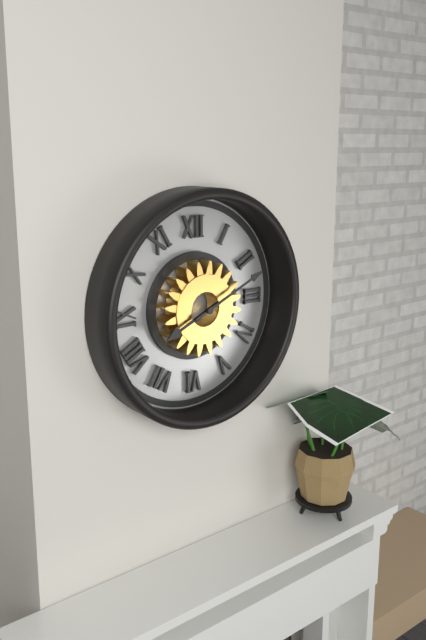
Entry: 8.11
